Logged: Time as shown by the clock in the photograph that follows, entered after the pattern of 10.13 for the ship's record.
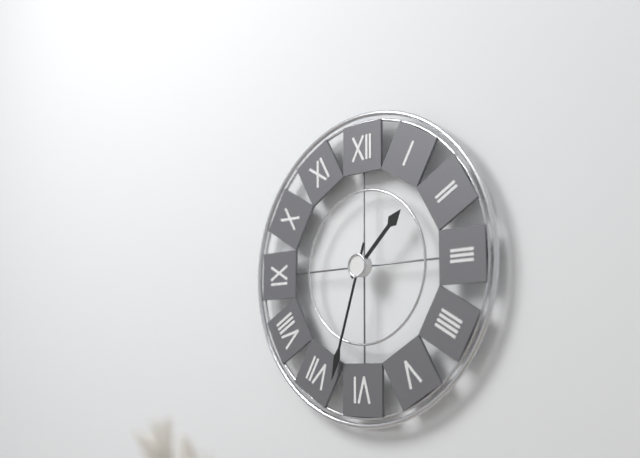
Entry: 1.33
